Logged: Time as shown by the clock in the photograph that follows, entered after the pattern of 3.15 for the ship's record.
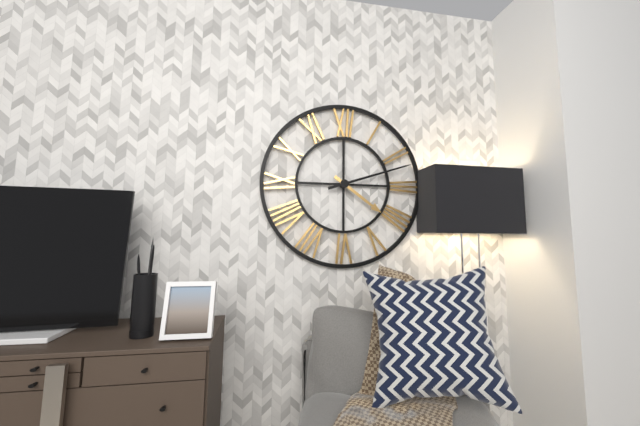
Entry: 4.12
